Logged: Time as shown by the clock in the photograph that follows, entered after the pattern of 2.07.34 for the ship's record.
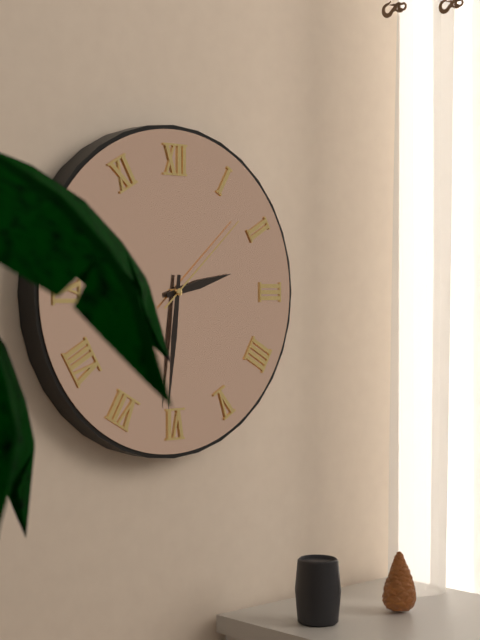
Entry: 2.31.08
